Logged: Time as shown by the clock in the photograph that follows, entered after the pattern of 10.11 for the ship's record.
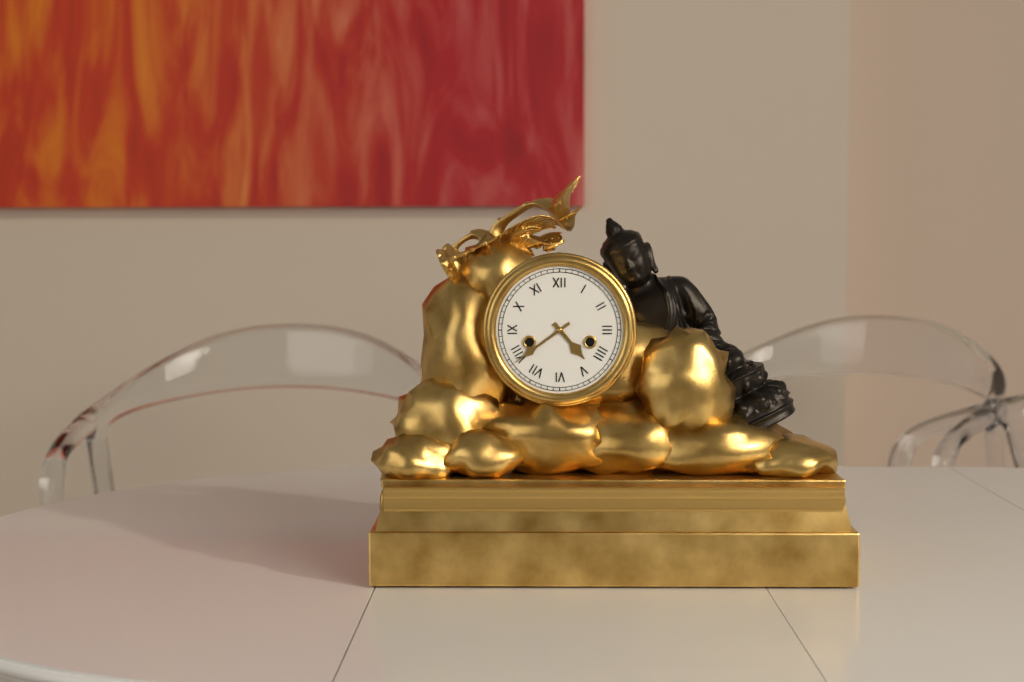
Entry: 4.39
